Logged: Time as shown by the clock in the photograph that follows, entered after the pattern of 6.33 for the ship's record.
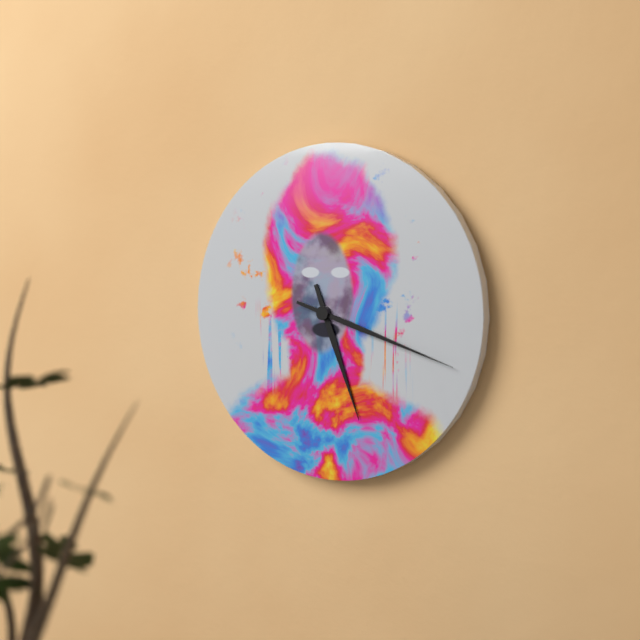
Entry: 5.18
